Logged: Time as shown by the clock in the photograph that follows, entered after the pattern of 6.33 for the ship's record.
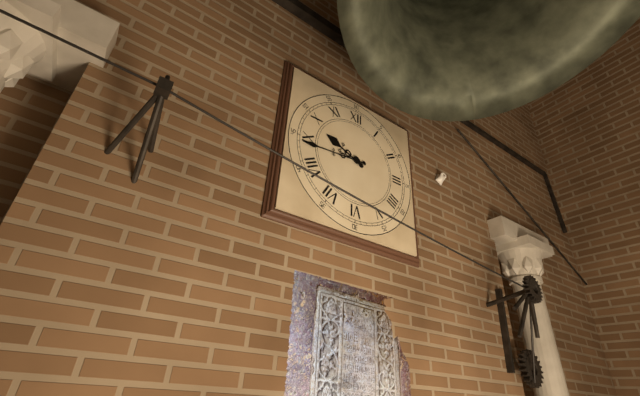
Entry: 9.44
